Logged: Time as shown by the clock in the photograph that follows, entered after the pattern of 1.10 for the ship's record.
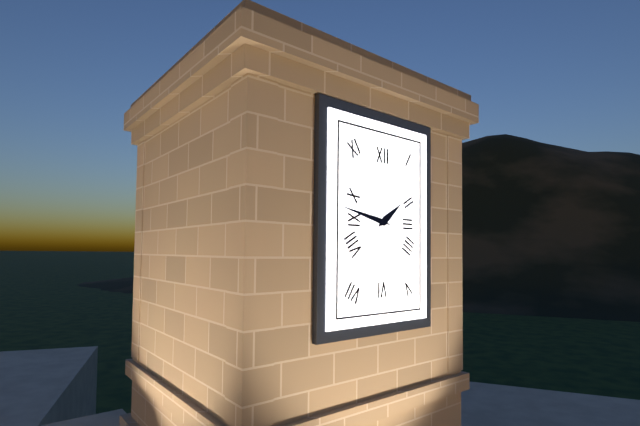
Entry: 1.47
